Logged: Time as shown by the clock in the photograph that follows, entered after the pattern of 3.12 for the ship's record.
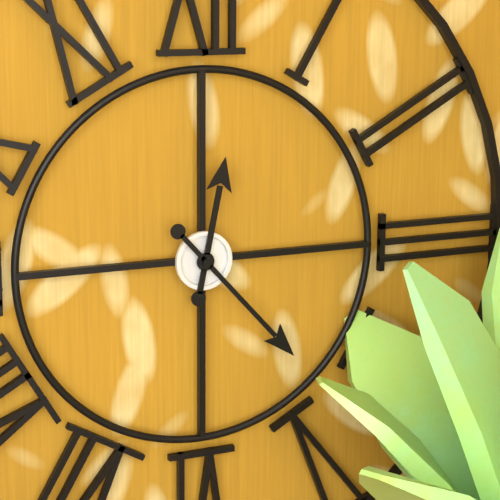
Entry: 12.23
